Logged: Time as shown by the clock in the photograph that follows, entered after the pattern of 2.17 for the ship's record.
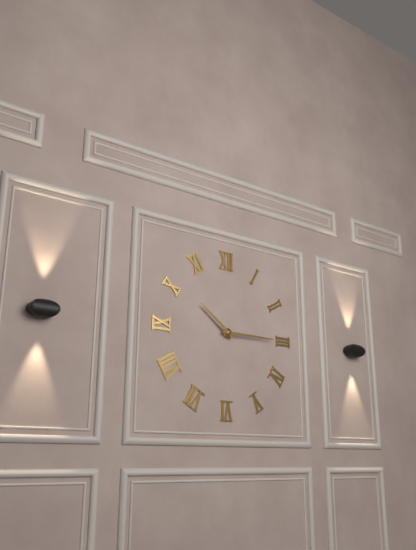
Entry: 10.15
